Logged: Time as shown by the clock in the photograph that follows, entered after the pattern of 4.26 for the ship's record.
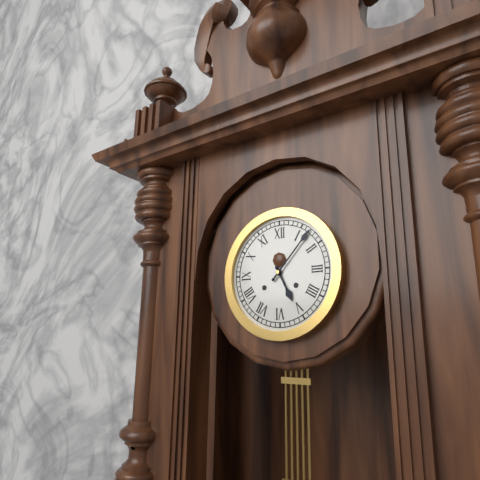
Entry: 5.07
